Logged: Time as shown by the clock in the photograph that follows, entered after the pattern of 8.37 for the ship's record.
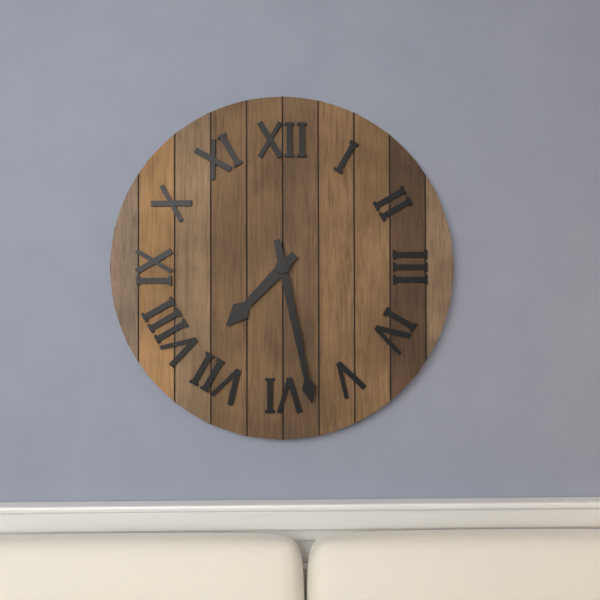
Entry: 7.28
